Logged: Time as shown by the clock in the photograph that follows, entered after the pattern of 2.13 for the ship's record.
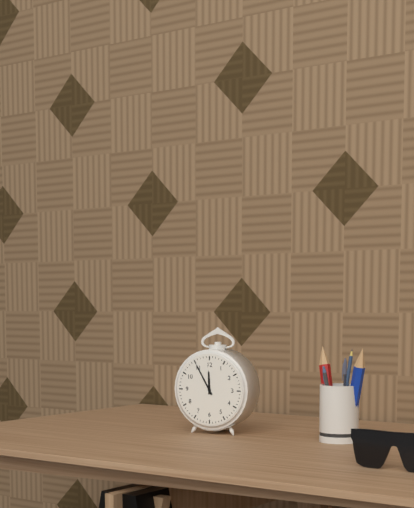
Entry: 11.55
